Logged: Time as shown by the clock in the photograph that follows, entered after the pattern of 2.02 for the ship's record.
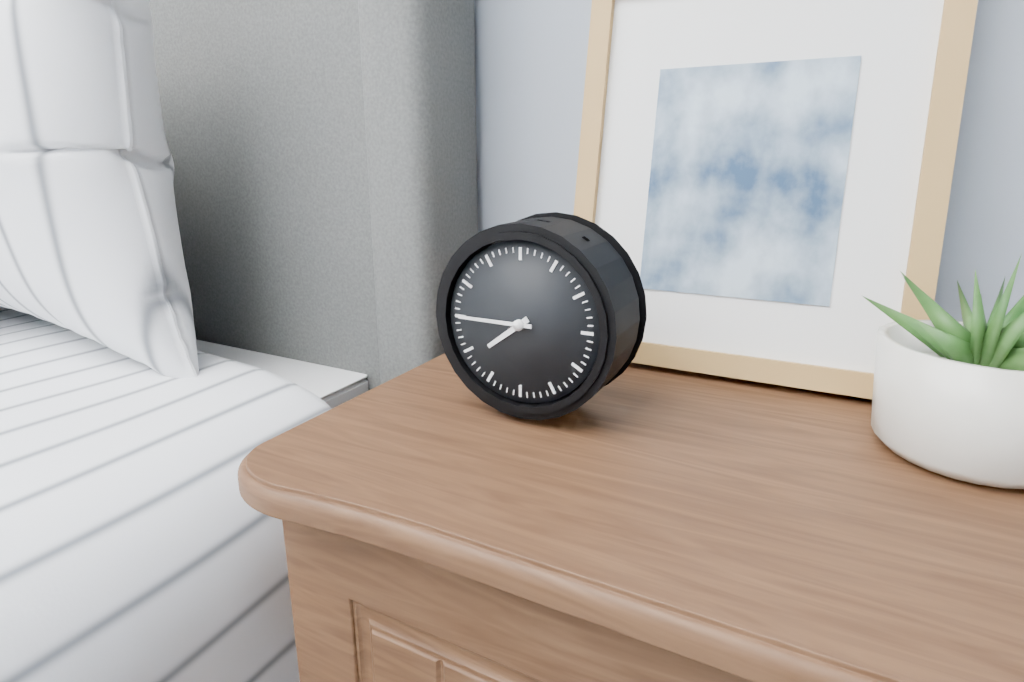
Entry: 7.45
